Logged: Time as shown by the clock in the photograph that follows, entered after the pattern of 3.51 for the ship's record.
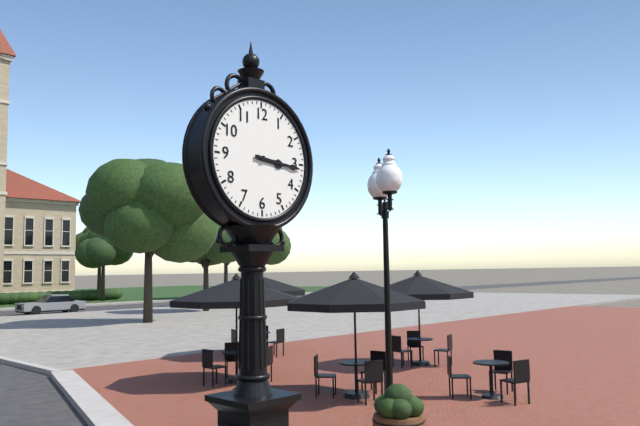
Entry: 3.16
